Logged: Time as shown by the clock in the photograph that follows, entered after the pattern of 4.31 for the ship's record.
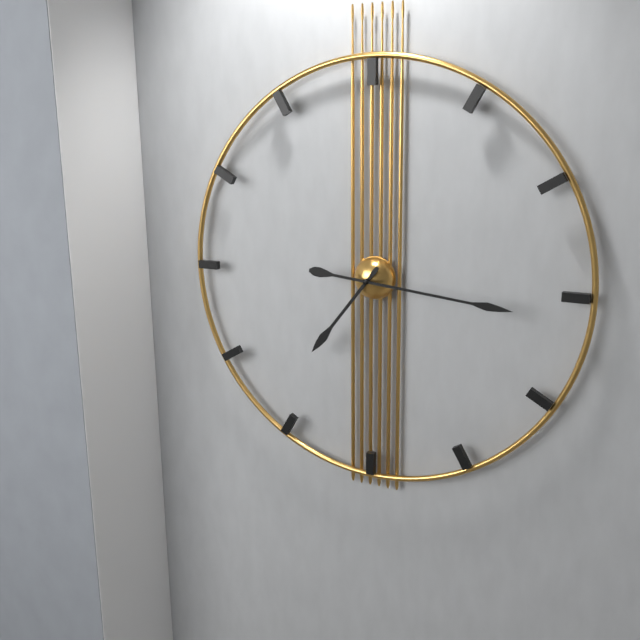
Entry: 7.16
